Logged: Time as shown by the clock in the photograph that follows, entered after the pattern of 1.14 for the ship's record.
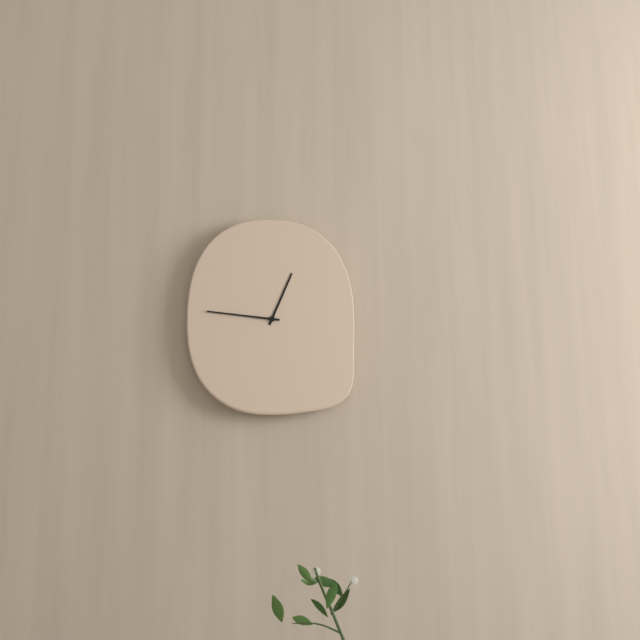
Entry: 12.46
